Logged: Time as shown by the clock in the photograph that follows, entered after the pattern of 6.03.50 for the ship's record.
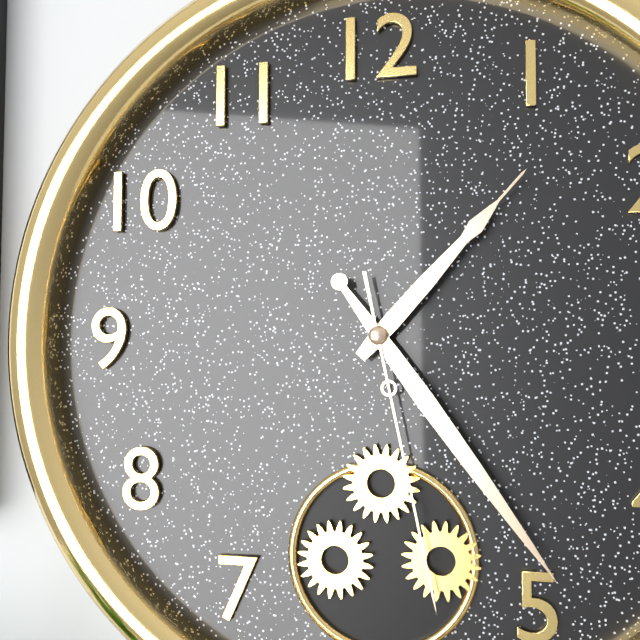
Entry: 1.24.28
